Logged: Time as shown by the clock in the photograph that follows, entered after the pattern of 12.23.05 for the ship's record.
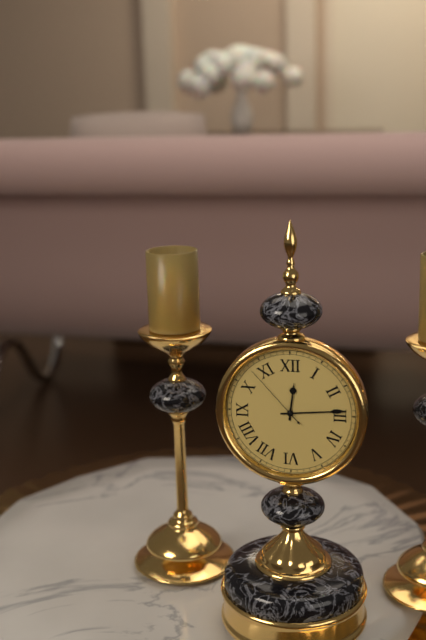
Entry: 12.14.53
